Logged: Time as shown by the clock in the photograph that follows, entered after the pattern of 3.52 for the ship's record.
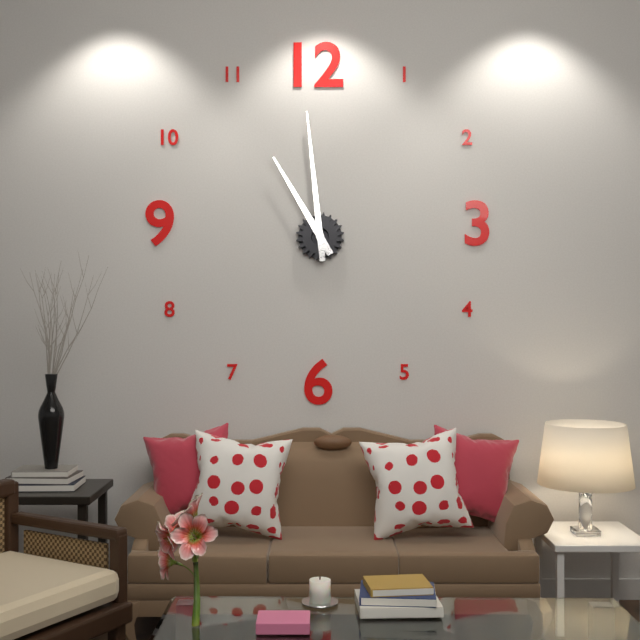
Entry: 10.59
